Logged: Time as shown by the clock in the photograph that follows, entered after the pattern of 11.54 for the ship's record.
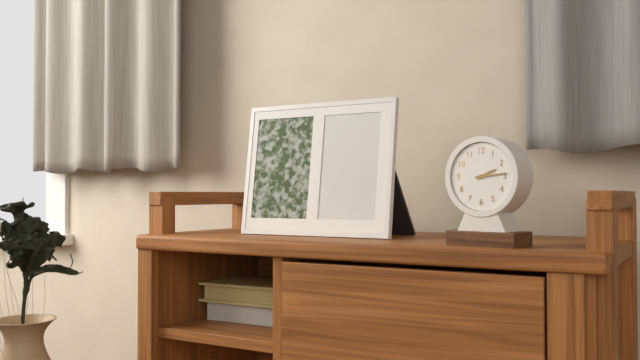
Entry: 2.14
